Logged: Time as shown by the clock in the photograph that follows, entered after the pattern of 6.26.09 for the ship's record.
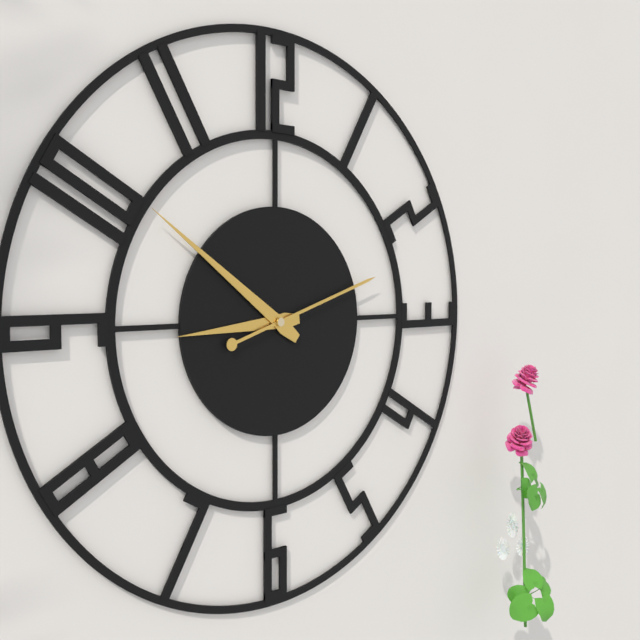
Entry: 8.51.12
